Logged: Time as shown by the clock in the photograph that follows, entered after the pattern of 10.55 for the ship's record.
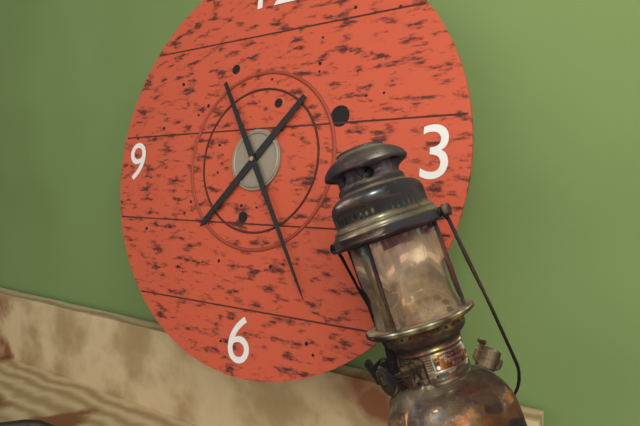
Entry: 7.25
